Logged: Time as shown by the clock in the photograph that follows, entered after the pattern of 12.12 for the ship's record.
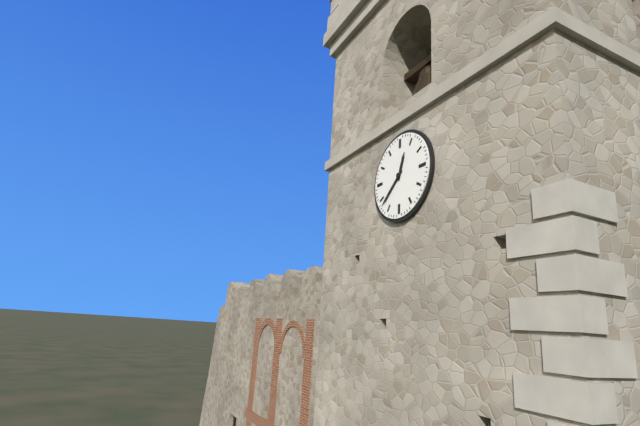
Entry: 12.38
